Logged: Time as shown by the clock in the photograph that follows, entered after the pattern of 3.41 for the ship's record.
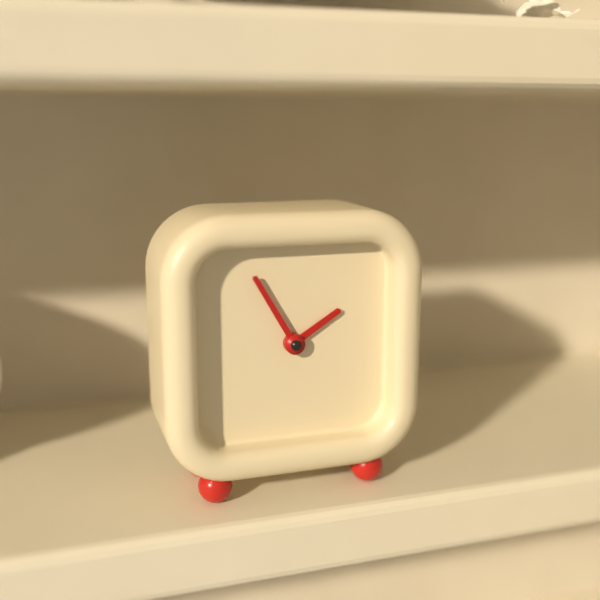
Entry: 1.55
